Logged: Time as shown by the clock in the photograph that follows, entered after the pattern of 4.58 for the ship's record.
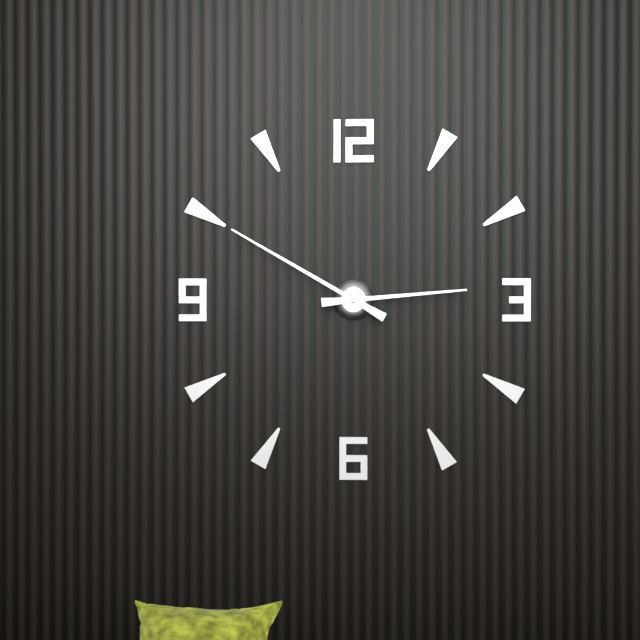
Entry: 2.50
